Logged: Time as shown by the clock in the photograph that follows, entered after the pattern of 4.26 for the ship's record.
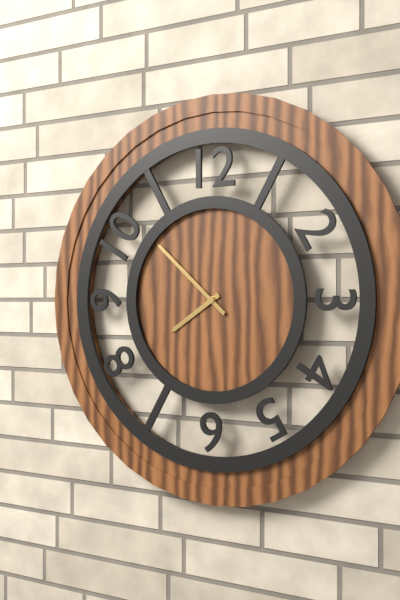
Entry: 7.52
